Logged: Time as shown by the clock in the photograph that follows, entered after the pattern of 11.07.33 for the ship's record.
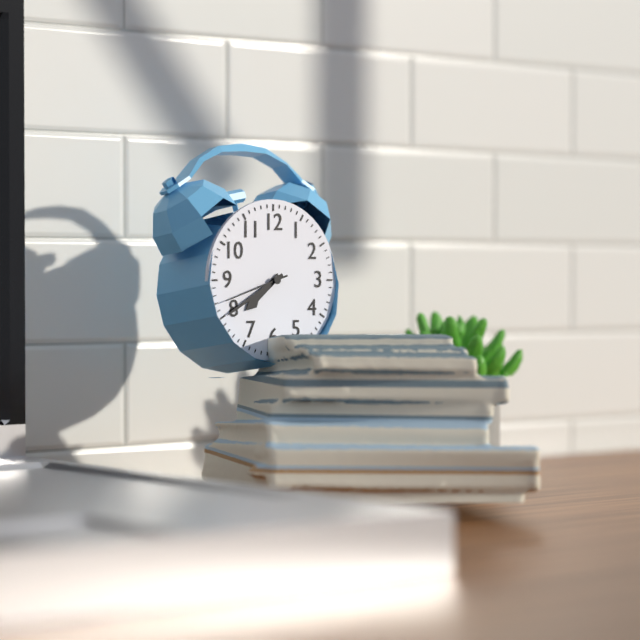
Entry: 7.40.42
